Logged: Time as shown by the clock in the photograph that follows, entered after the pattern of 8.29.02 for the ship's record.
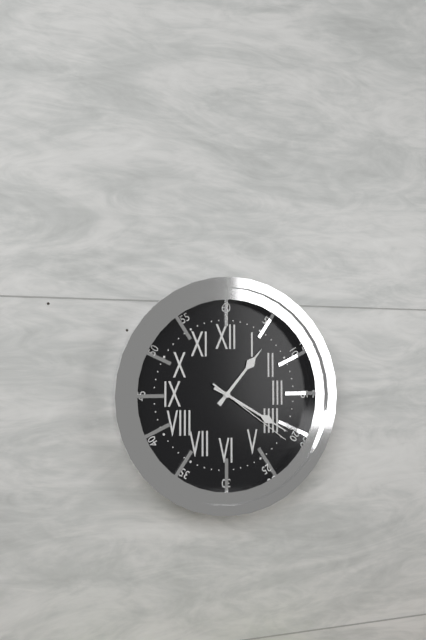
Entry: 1.20.21
